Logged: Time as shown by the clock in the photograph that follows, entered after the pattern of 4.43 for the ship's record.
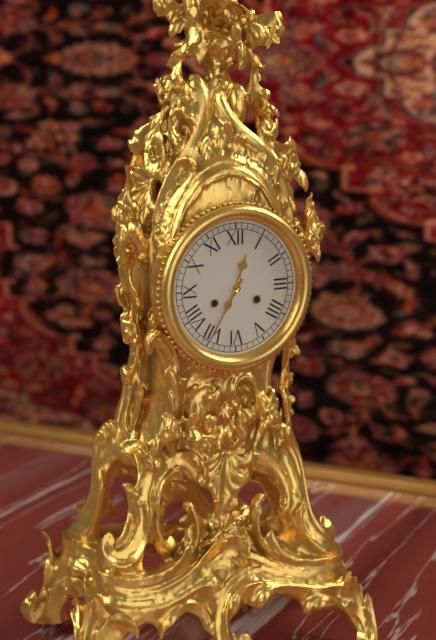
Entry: 12.35
